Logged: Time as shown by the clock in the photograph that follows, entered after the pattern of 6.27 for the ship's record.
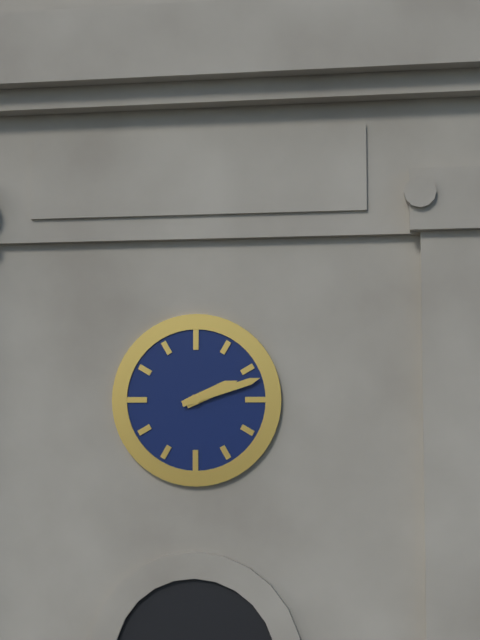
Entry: 2.12
